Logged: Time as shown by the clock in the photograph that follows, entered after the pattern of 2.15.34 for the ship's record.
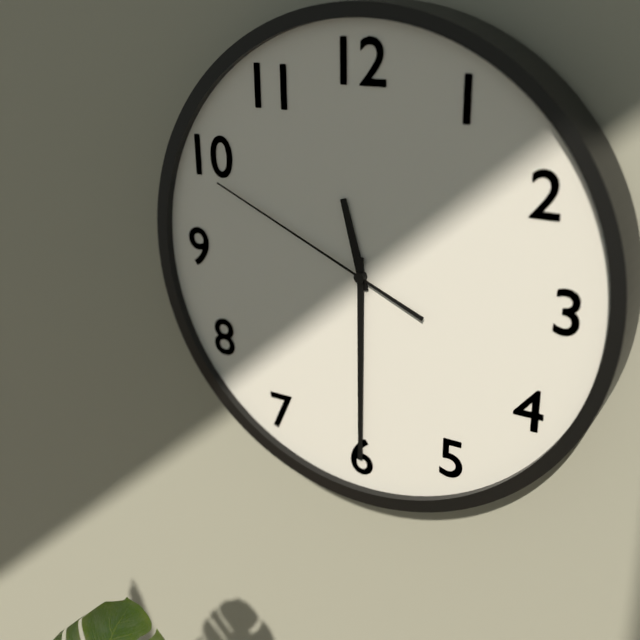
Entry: 11.30.49
